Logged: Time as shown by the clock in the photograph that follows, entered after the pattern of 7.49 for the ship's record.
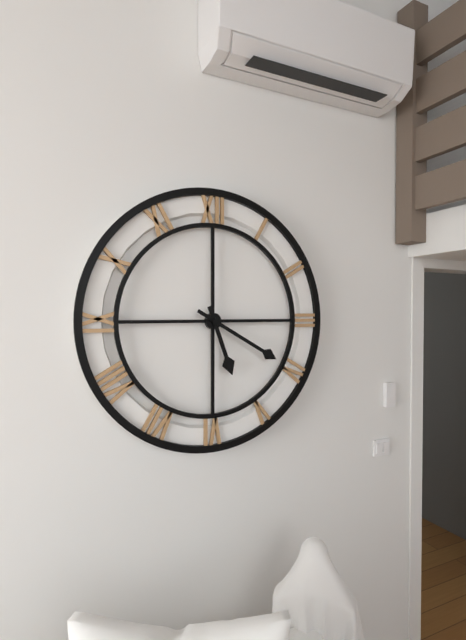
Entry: 5.20
